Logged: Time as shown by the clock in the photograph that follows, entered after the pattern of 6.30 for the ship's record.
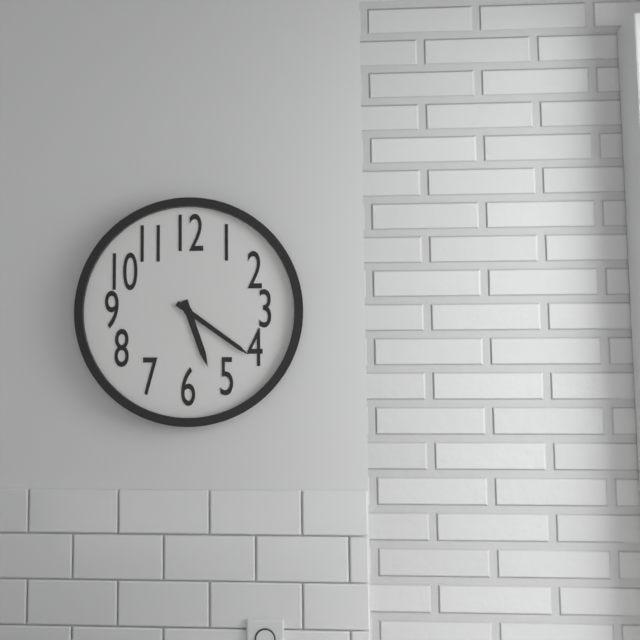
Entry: 5.21
